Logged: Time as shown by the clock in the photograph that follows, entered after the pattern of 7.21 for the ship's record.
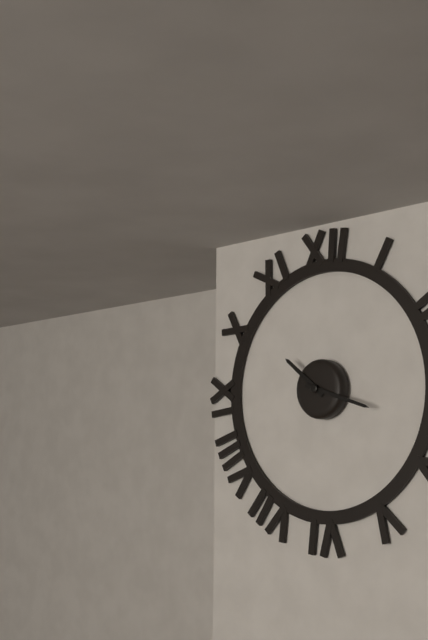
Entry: 10.18
